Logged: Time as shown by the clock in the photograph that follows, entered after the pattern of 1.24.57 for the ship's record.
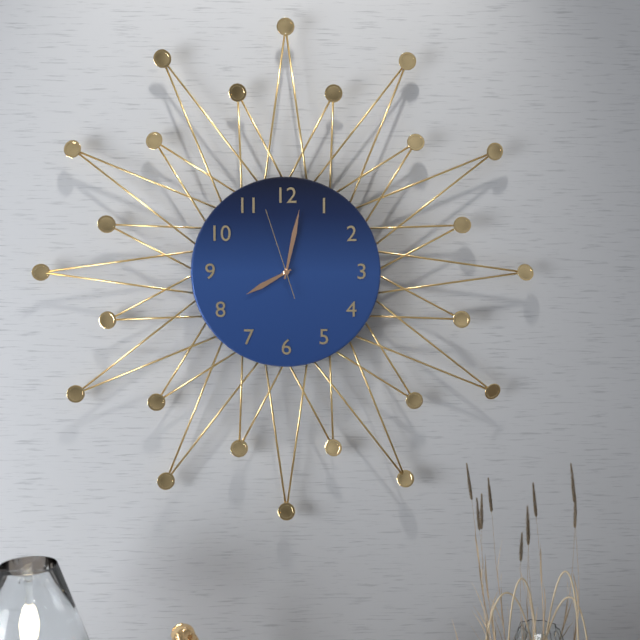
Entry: 8.02.57
